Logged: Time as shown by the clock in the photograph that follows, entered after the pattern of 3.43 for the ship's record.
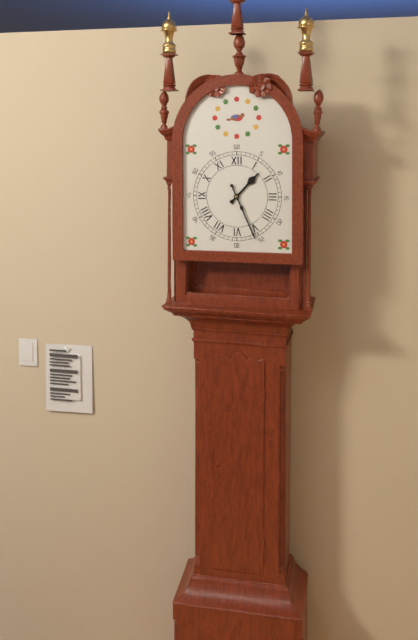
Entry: 1.26
